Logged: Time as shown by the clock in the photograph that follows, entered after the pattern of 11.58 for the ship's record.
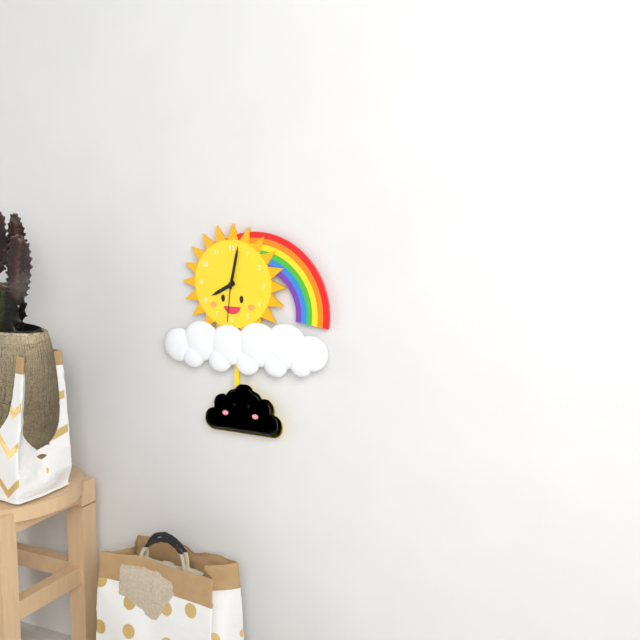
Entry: 8.02
